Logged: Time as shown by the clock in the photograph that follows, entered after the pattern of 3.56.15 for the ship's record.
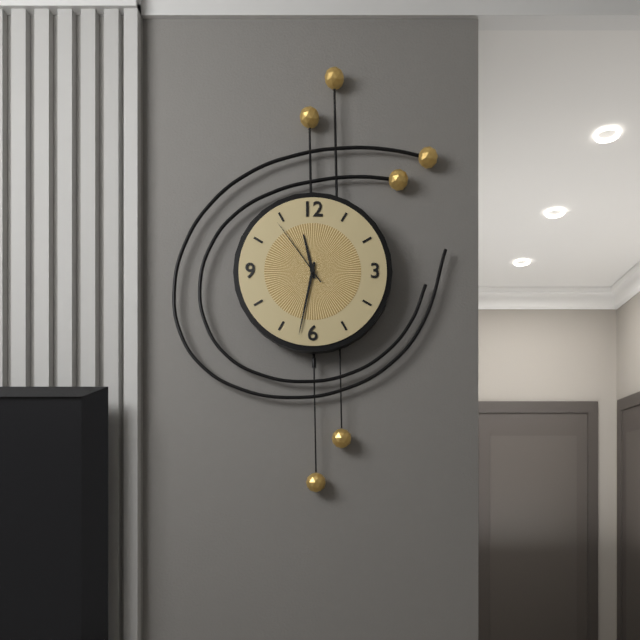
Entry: 11.32.54
